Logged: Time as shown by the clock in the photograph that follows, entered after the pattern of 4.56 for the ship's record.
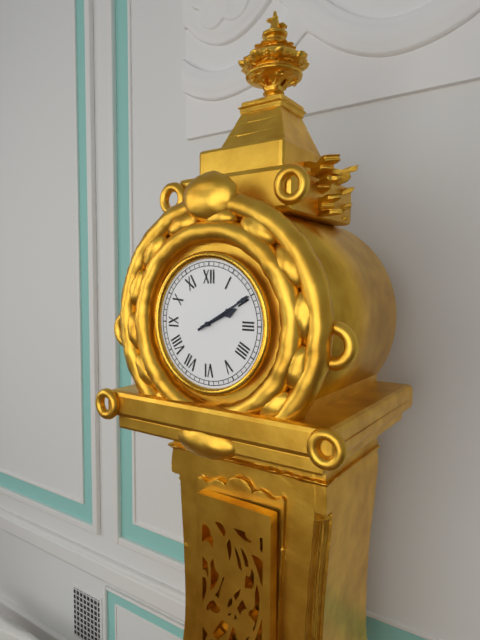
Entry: 2.10
